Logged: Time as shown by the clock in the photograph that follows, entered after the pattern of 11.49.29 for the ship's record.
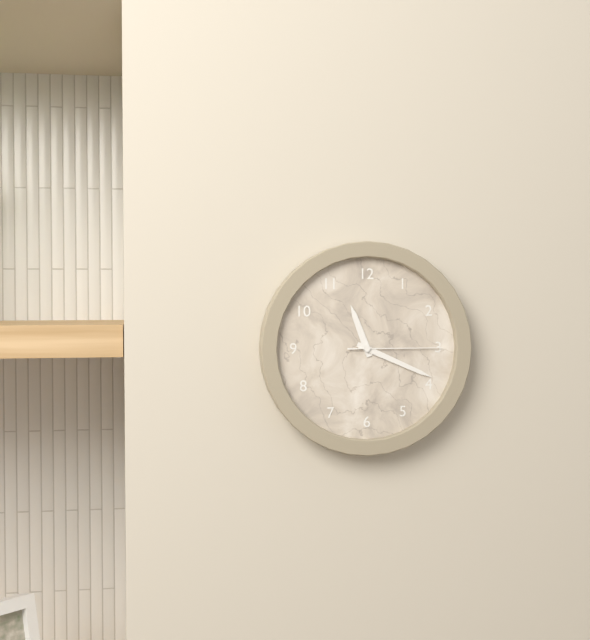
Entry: 11.19.15
